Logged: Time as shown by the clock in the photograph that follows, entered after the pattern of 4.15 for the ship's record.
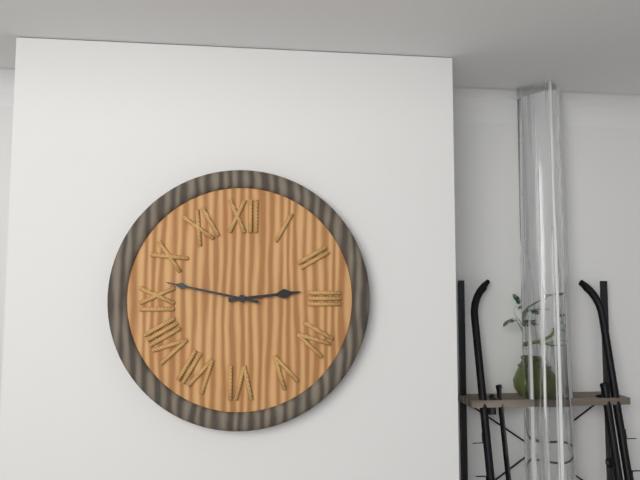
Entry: 2.47
